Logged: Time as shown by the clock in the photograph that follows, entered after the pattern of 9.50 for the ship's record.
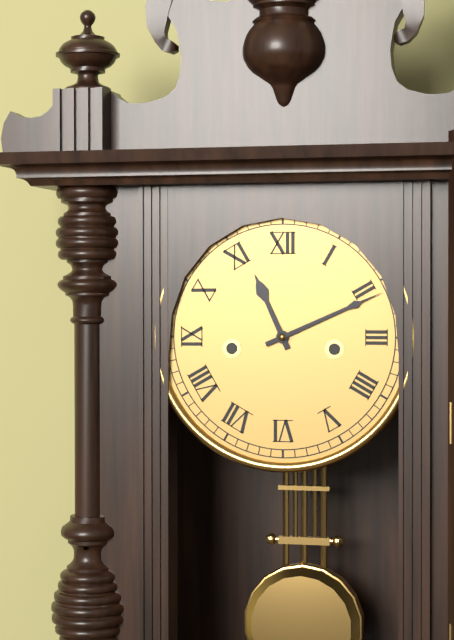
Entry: 11.11
